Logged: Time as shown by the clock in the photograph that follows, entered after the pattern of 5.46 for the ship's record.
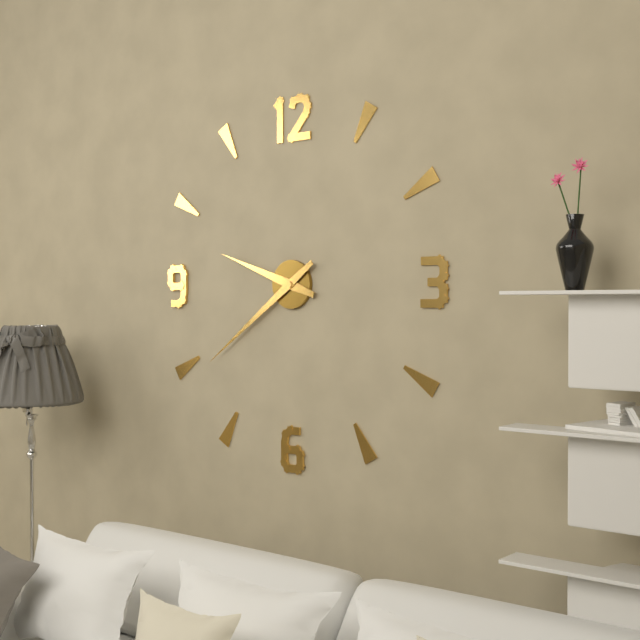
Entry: 9.39
